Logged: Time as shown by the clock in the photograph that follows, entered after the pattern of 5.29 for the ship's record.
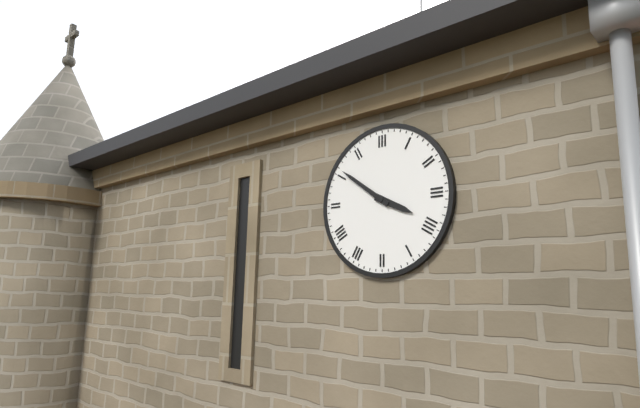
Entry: 3.51
